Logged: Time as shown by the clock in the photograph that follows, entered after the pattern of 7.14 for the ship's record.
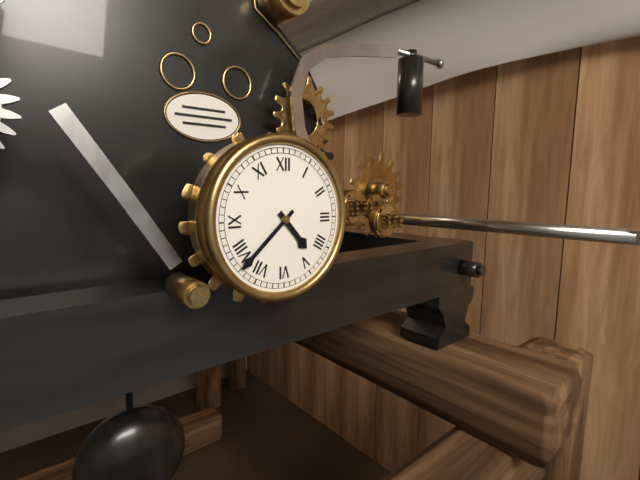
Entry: 4.38
